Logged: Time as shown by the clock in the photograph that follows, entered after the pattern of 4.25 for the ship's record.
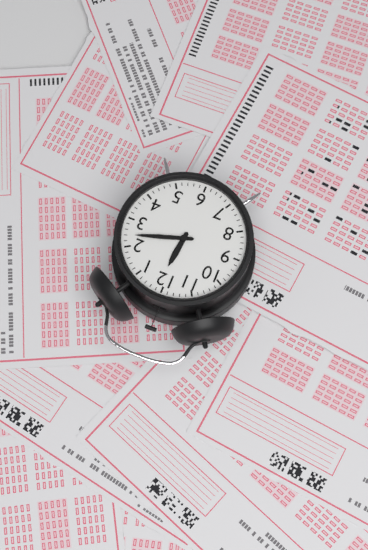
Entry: 12.12
